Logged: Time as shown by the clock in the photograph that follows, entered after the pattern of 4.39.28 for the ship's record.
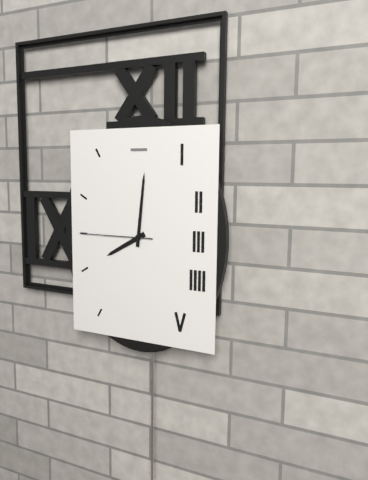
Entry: 8.01.45
